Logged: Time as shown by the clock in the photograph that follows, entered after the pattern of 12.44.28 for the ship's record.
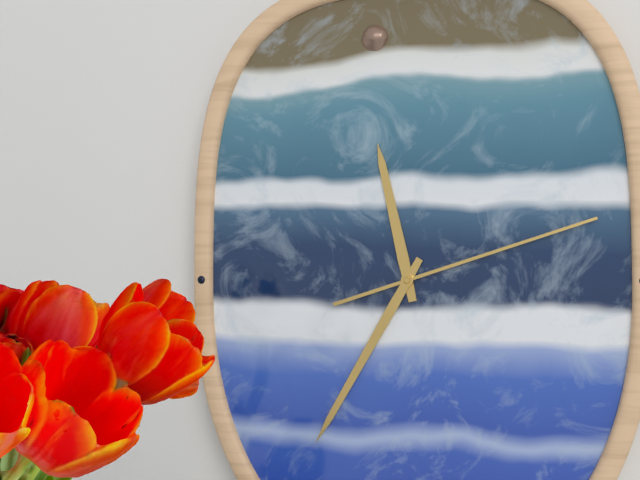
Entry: 11.35.12
